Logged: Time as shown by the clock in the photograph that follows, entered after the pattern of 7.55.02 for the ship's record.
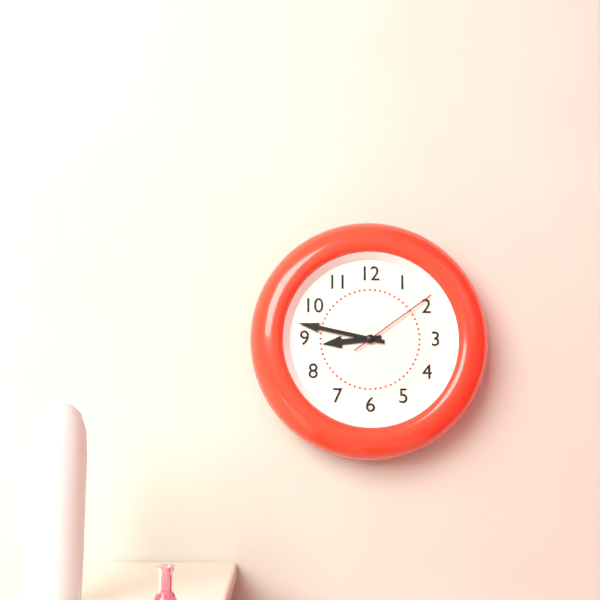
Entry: 8.47.09
